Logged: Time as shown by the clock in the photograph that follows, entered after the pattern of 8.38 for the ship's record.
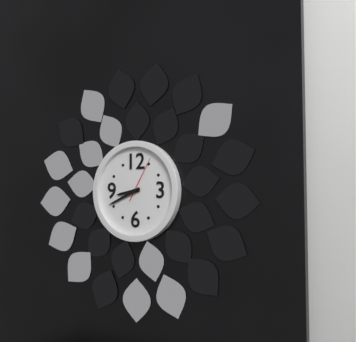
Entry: 8.41
